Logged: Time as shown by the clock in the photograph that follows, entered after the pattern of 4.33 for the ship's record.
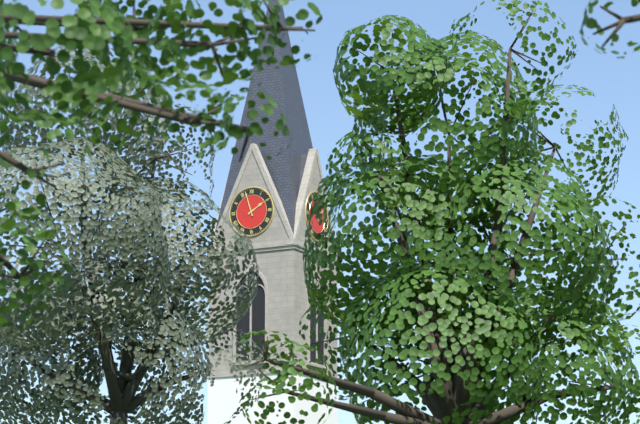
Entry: 1.57
